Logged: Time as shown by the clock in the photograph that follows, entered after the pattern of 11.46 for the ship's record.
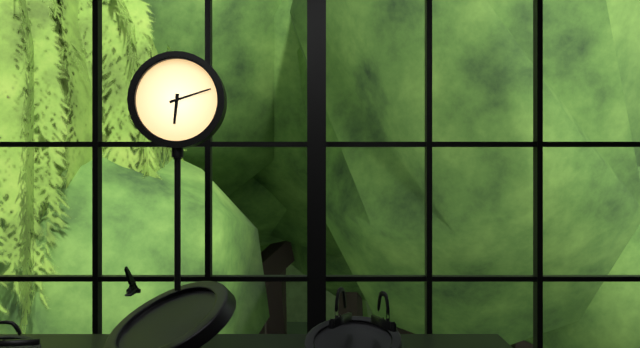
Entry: 6.12
